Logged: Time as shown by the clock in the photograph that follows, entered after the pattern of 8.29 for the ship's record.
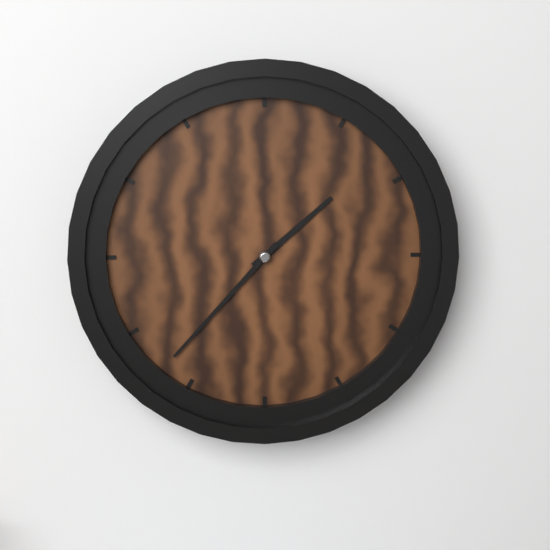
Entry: 1.37
